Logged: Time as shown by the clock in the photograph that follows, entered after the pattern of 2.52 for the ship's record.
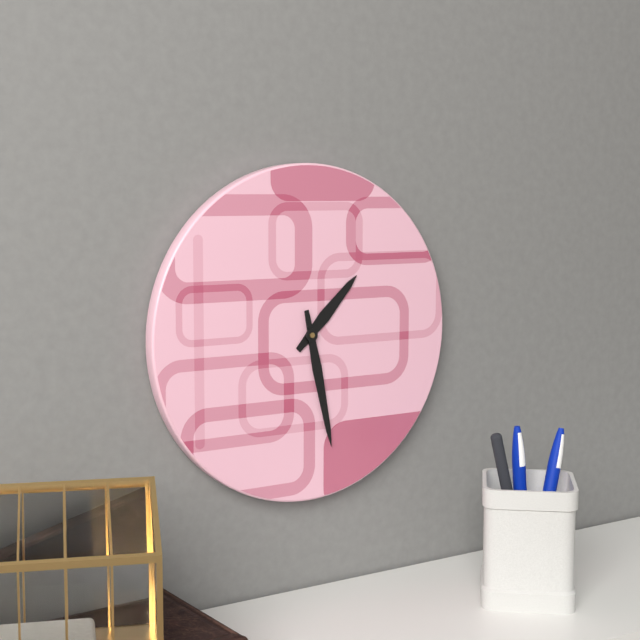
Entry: 1.28
